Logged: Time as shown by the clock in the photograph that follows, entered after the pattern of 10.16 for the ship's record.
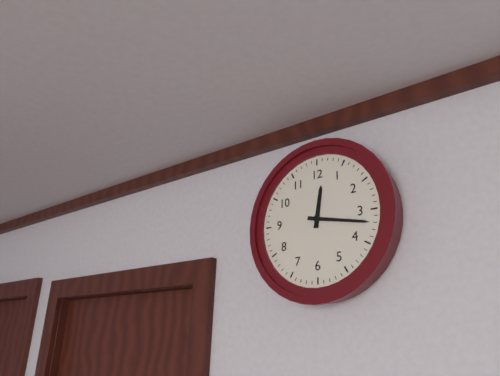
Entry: 12.17
